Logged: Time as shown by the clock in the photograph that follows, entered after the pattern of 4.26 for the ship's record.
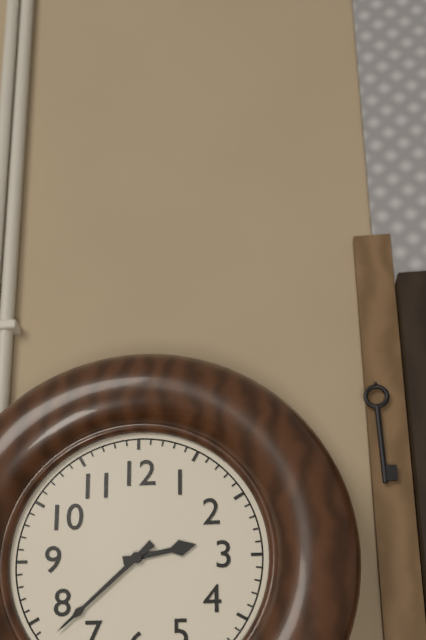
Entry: 2.38
